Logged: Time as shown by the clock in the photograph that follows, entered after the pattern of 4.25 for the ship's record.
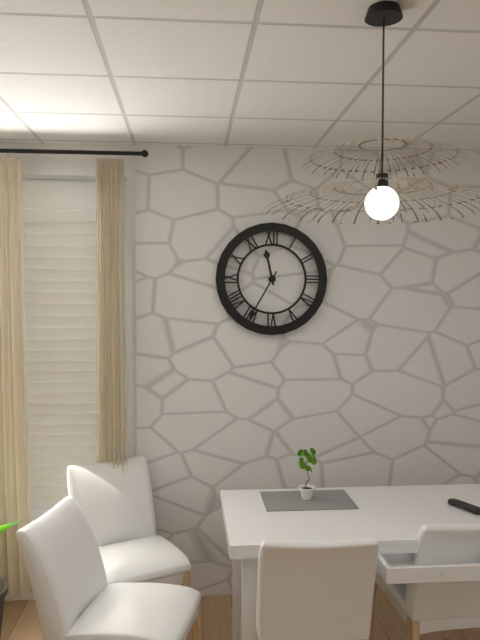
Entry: 11.35
